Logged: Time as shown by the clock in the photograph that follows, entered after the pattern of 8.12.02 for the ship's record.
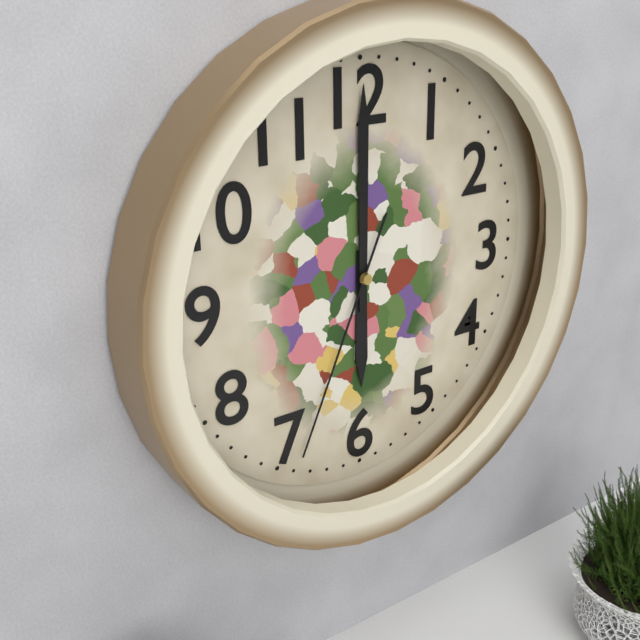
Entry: 6.00.34
